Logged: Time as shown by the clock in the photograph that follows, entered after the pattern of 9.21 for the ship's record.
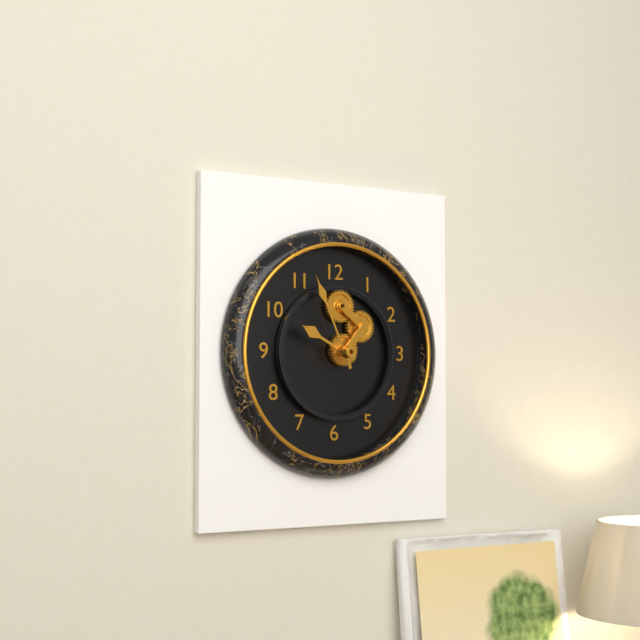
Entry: 9.56
